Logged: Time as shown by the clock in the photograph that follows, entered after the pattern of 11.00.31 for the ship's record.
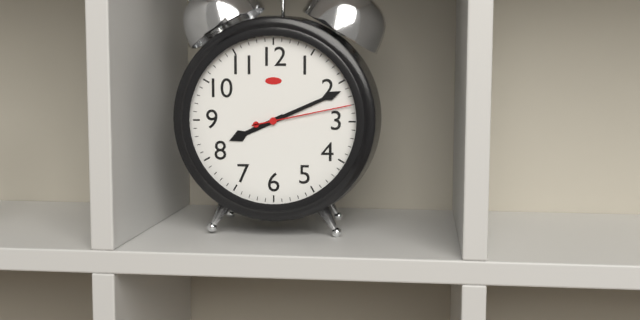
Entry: 8.11.13
